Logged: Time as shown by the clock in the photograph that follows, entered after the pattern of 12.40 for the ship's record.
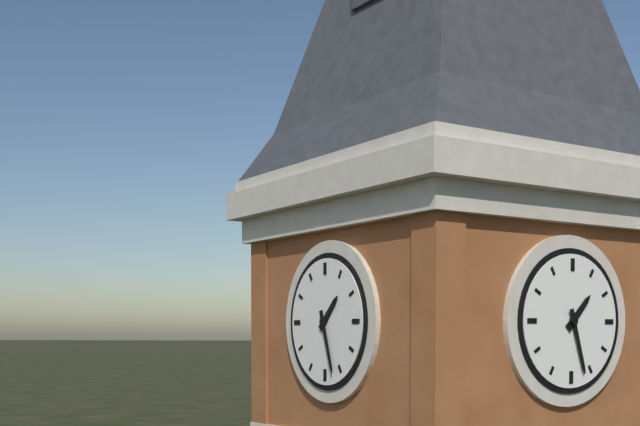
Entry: 1.27
